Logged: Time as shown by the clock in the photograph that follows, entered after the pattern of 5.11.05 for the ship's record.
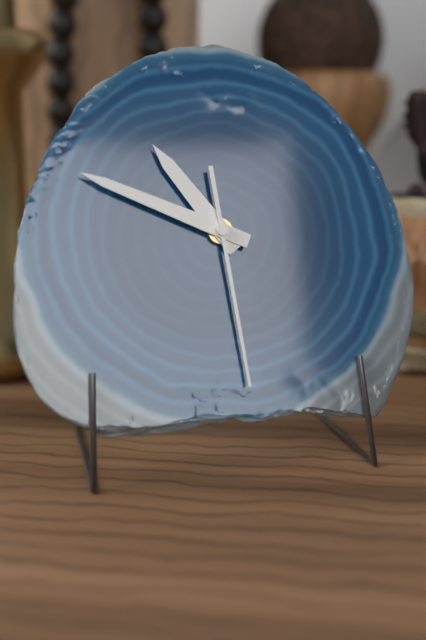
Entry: 10.49.29
